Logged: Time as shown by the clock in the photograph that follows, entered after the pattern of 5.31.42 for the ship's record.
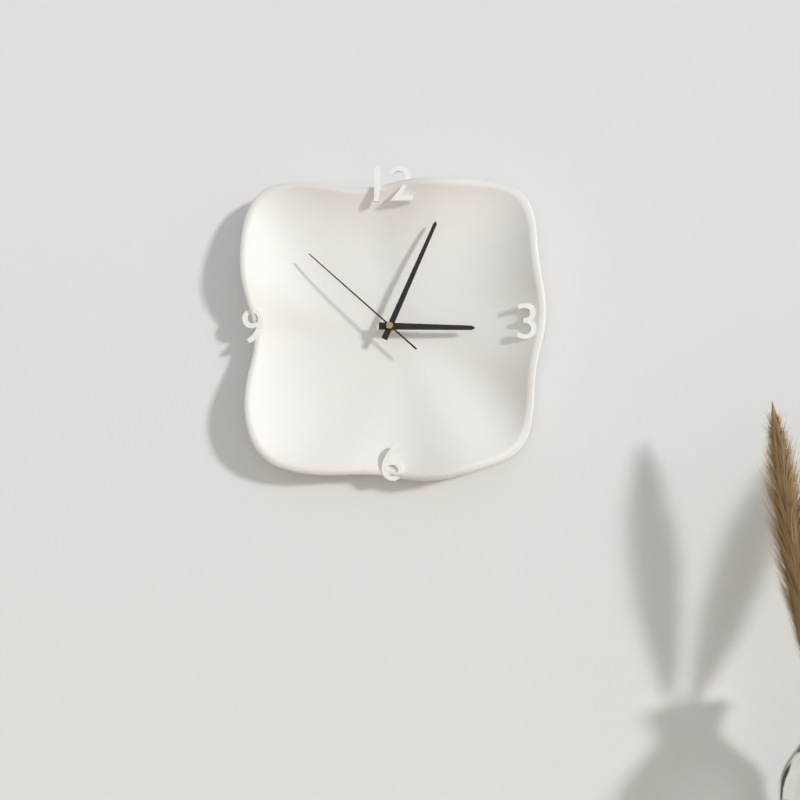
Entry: 3.04.52
